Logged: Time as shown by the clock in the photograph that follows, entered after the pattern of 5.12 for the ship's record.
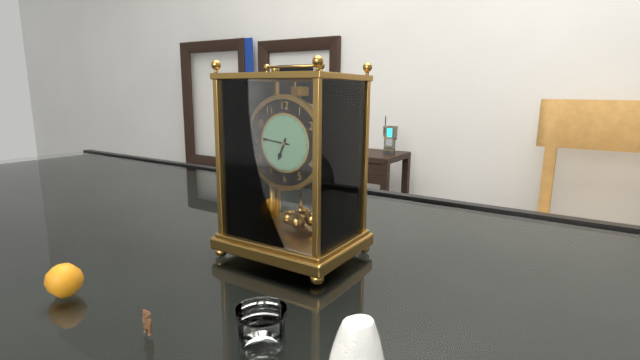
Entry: 6.46
